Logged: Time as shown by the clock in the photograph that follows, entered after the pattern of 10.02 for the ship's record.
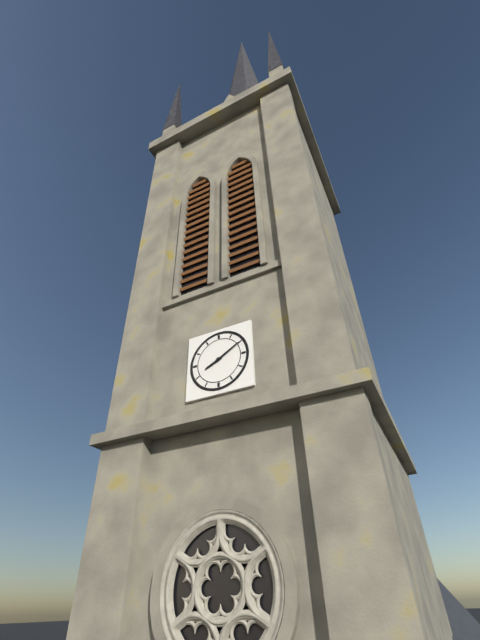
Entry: 8.10
